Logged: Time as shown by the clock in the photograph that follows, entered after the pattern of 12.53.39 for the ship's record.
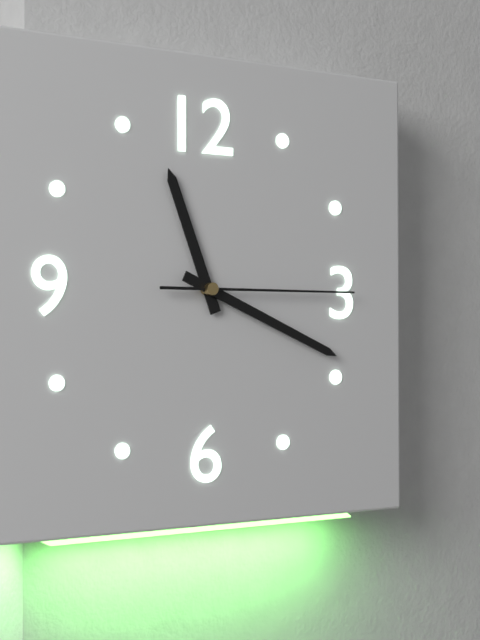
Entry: 11.19.15
